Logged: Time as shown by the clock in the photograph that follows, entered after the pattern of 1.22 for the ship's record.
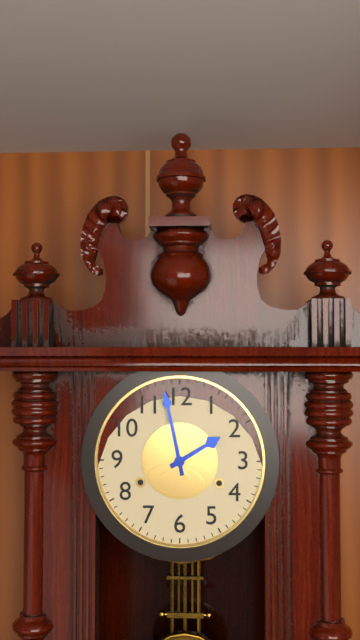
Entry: 1.58
